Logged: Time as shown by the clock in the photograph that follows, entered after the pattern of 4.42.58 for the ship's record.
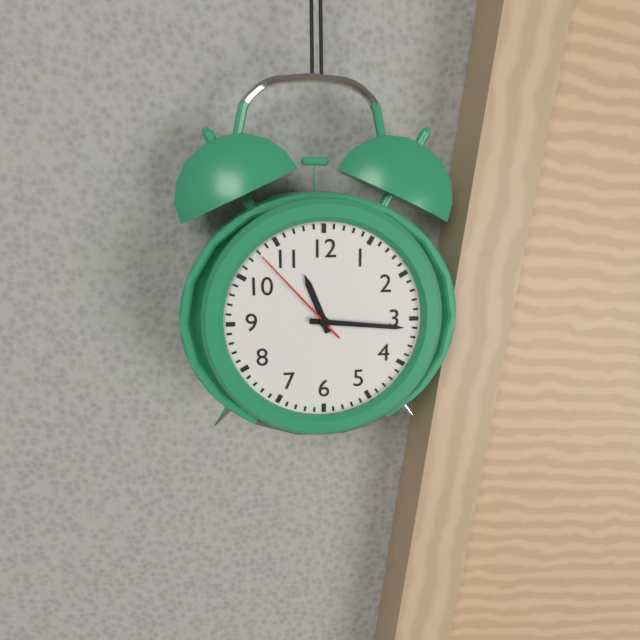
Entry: 11.16.53
